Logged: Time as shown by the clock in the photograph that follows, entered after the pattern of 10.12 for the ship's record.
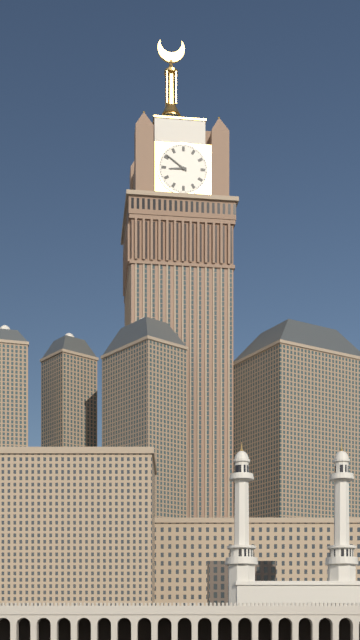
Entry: 8.51
